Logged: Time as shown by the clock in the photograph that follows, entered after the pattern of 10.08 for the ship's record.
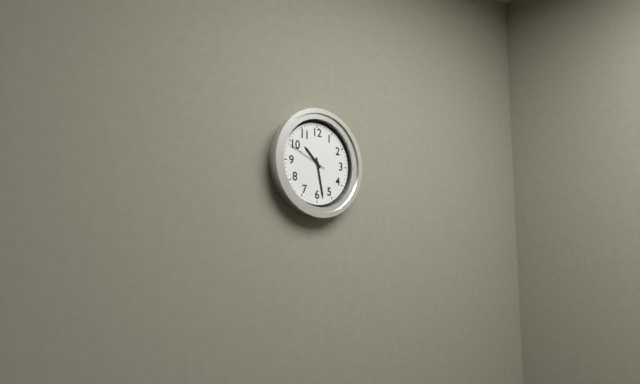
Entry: 10.28
